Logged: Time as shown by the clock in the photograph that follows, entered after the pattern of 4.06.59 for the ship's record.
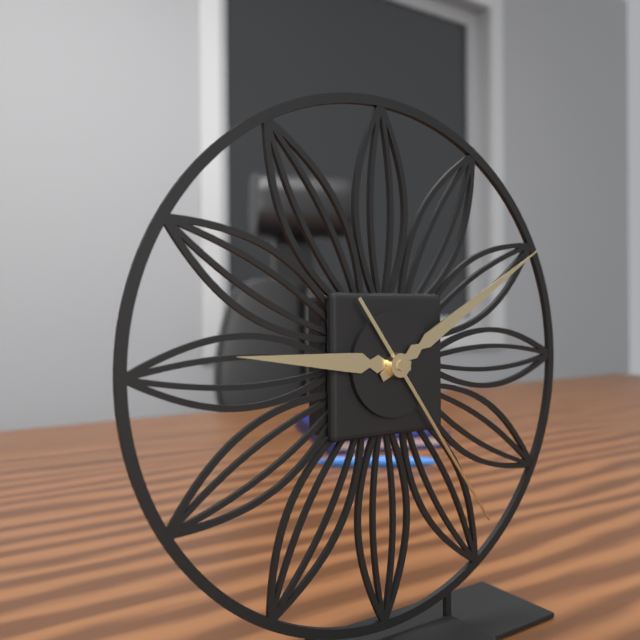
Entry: 9.10.24
